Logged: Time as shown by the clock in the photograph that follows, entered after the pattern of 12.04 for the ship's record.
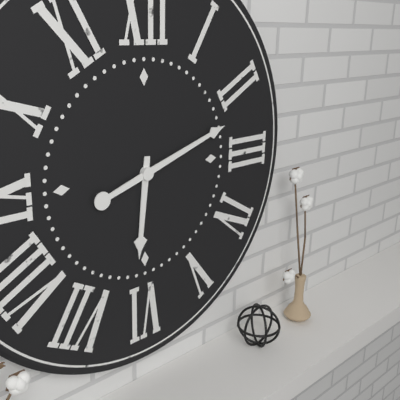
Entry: 6.12
